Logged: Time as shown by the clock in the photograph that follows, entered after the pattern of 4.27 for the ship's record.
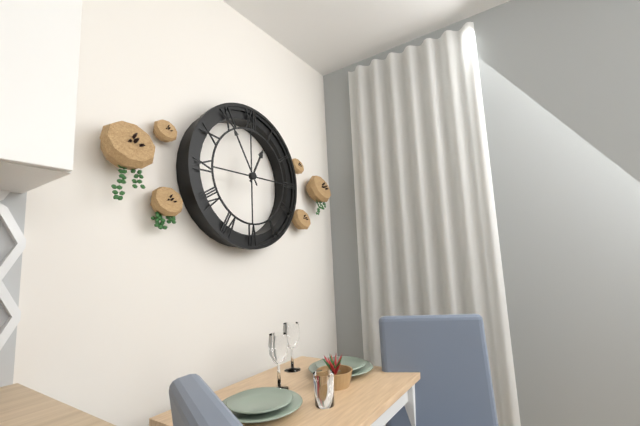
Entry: 12.55
